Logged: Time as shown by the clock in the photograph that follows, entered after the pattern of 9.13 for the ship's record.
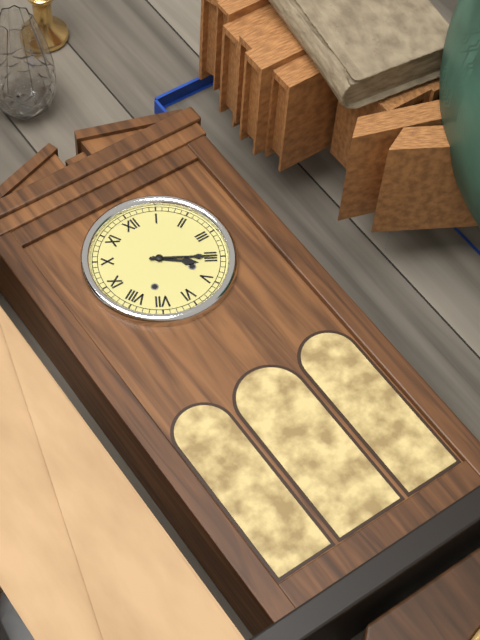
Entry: 4.20
